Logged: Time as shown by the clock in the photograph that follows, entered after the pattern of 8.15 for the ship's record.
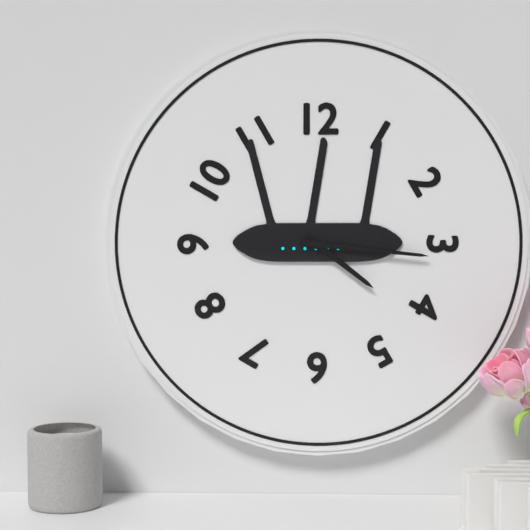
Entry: 4.16
